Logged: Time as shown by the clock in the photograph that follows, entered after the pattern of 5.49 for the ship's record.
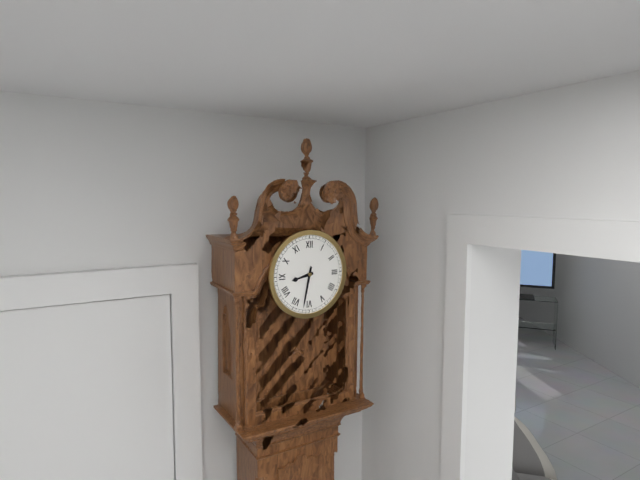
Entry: 8.32
